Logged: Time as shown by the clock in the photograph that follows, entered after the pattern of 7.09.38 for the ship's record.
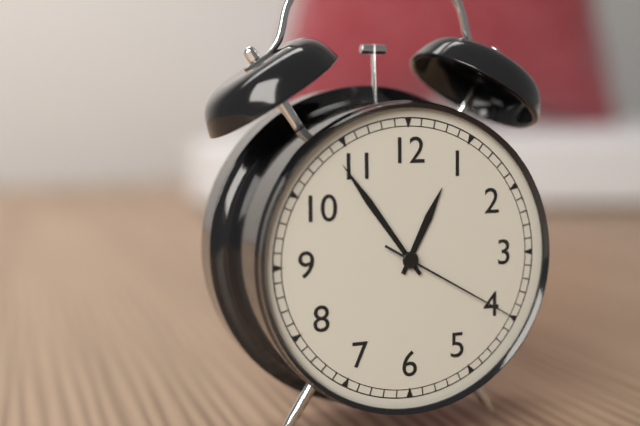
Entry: 12.54.20
